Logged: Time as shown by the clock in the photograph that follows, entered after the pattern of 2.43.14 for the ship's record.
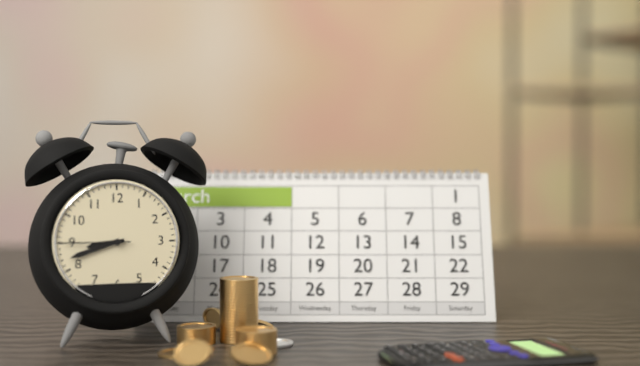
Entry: 8.42.45
